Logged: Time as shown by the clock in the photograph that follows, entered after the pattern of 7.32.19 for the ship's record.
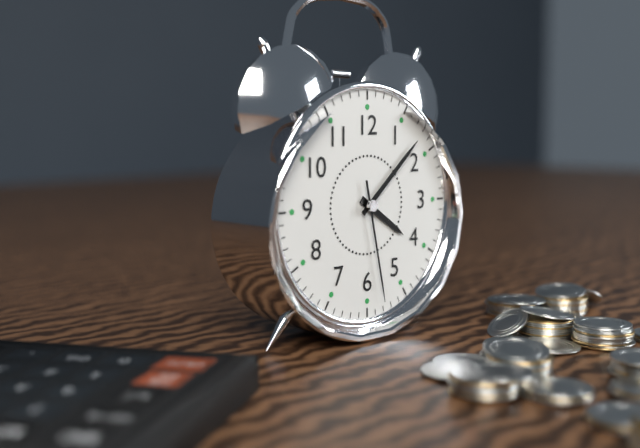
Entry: 4.08.28
